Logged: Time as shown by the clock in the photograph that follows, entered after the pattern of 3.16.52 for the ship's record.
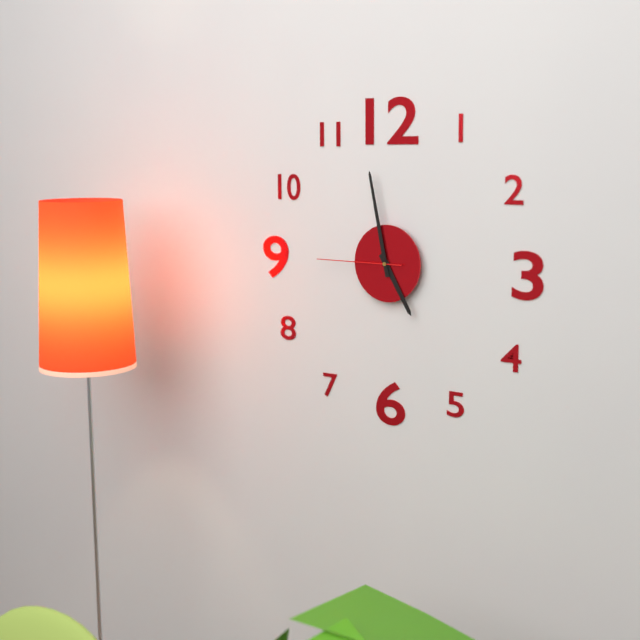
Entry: 4.58.45
